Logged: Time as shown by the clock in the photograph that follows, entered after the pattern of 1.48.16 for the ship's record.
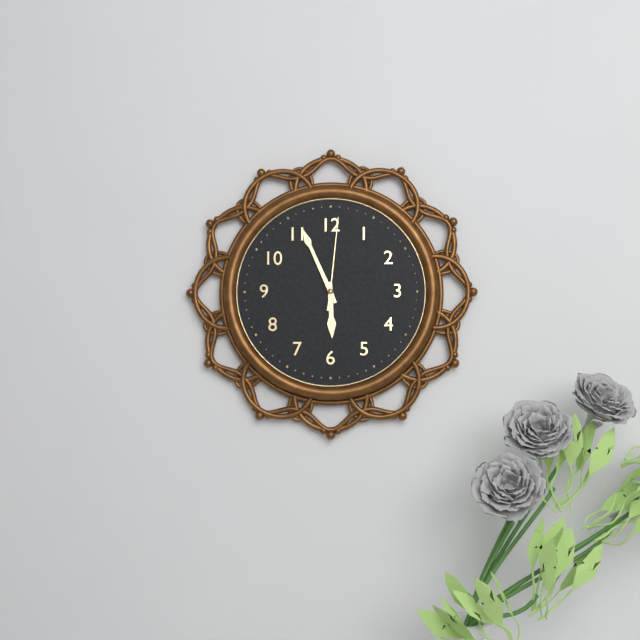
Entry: 5.56.01
